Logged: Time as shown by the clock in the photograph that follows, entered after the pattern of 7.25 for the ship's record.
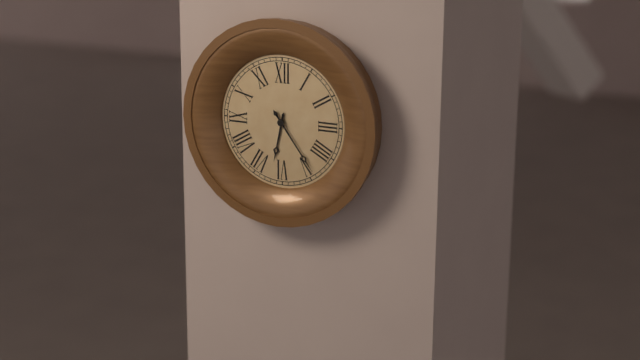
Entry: 6.24
